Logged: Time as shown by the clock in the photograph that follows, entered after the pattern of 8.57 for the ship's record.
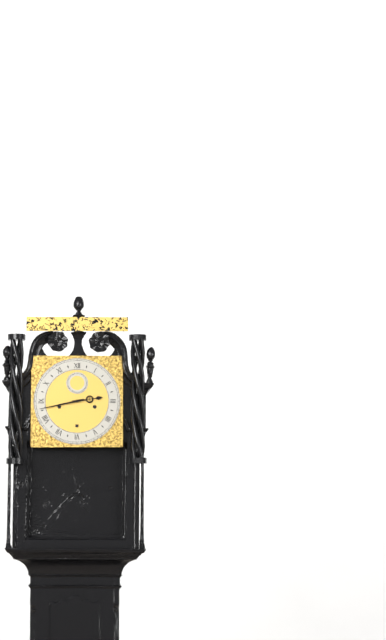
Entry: 2.43
